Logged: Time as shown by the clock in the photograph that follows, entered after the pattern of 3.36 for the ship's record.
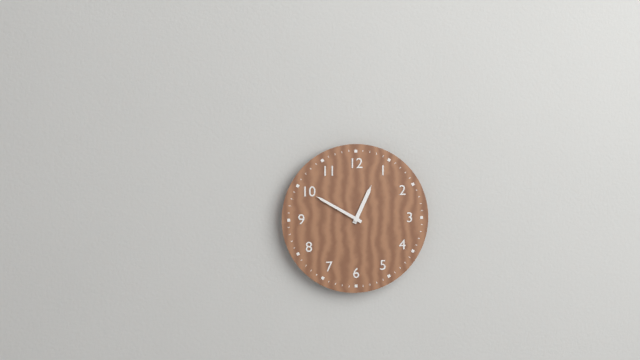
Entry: 12.50
